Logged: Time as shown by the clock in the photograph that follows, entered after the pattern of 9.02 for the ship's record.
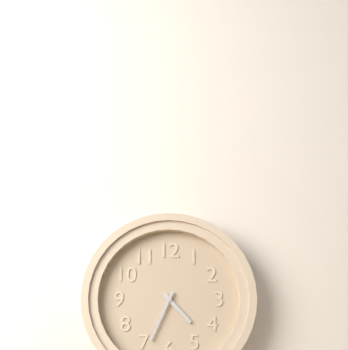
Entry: 4.34
